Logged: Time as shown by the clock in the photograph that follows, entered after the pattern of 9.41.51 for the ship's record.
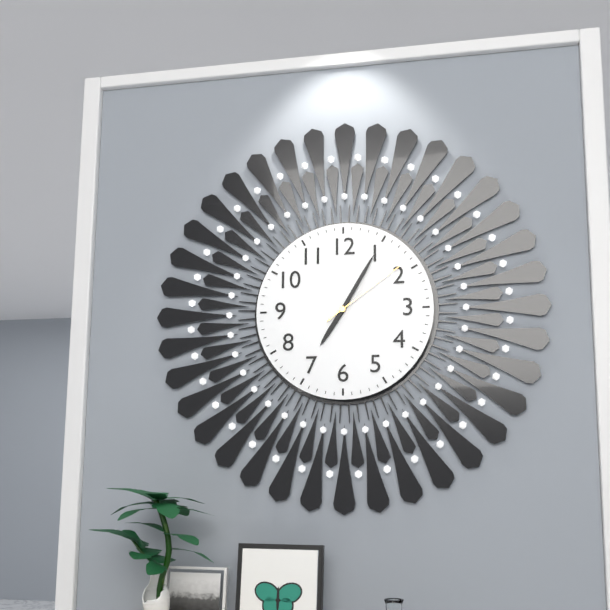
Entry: 7.05.09
